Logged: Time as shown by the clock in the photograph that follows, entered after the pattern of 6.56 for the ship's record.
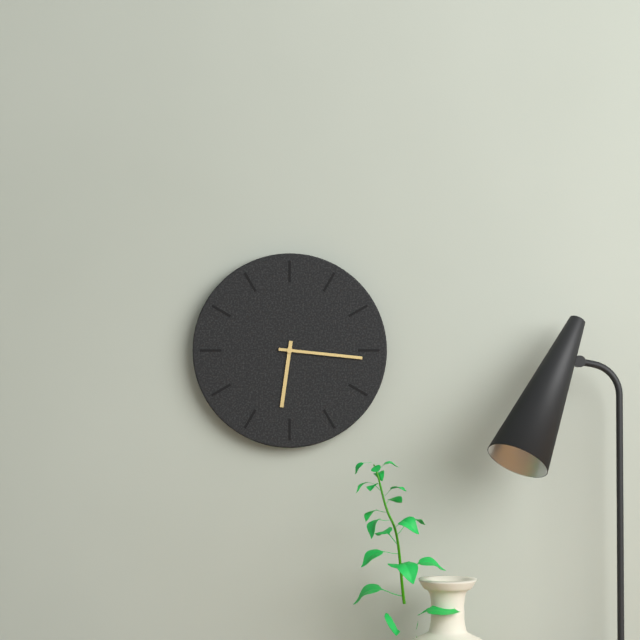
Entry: 6.16
